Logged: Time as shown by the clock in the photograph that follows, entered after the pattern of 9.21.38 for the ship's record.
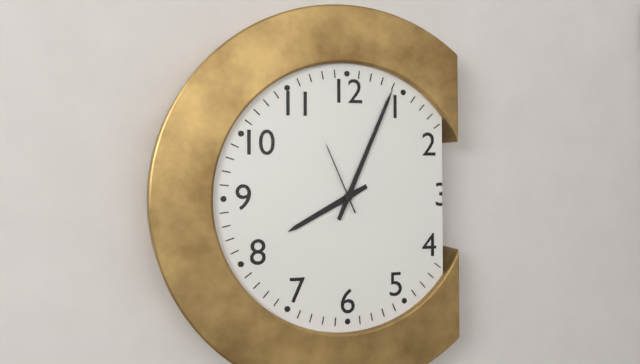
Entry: 8.04.56
